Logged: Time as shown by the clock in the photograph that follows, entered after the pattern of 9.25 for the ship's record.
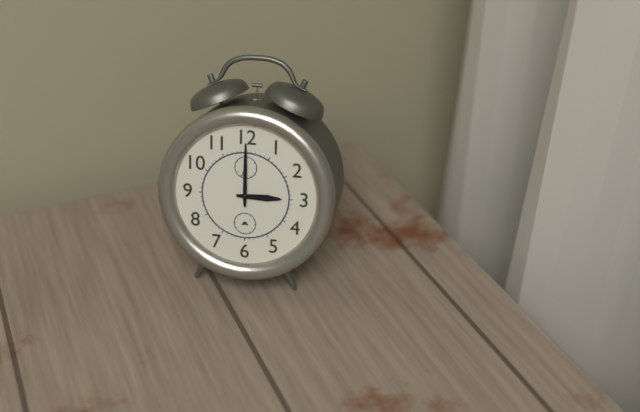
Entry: 3.00
